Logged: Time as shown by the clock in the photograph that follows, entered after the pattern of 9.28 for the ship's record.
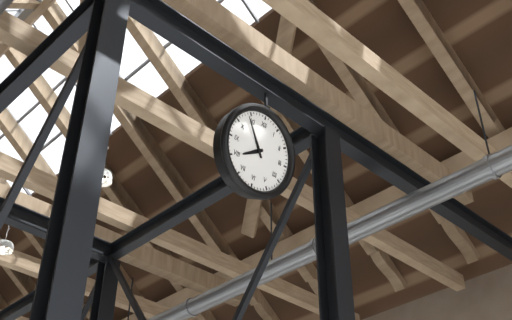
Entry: 7.54
